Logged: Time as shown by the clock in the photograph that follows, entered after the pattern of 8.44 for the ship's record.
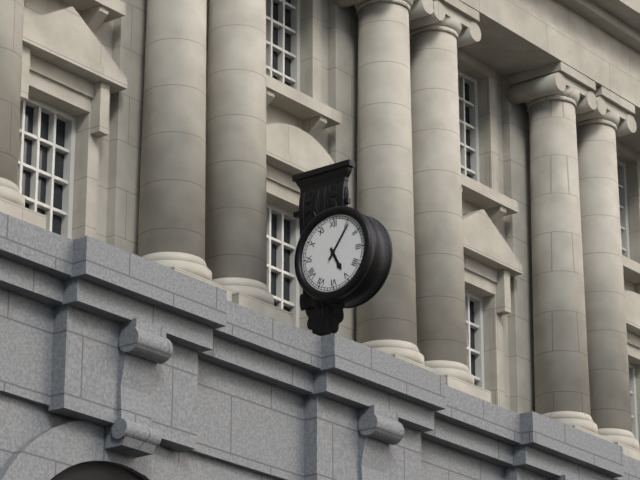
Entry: 5.06
